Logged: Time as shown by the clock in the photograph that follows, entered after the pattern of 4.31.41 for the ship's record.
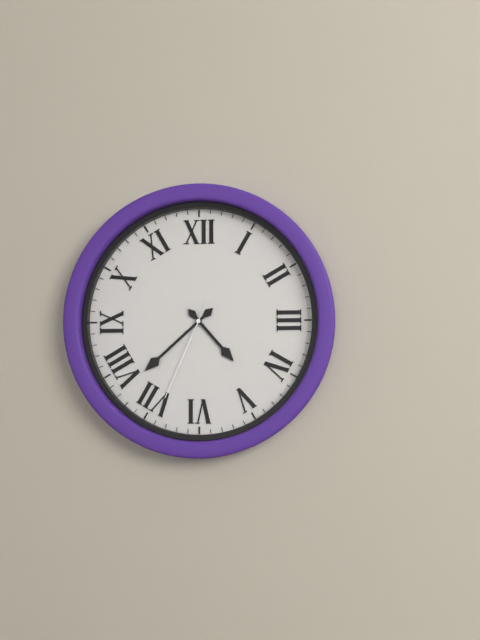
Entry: 4.38.34
